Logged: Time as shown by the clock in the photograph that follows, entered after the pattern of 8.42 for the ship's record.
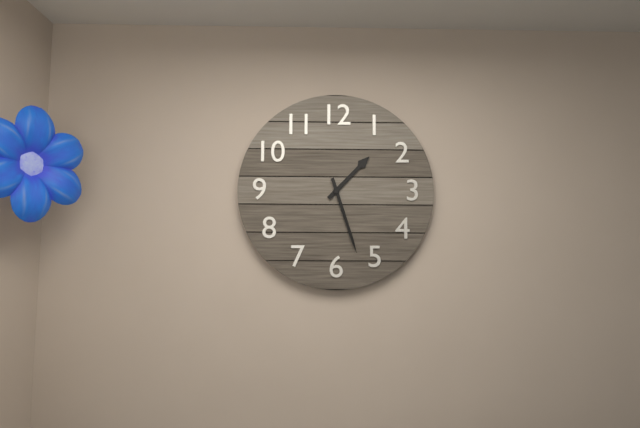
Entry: 1.27
